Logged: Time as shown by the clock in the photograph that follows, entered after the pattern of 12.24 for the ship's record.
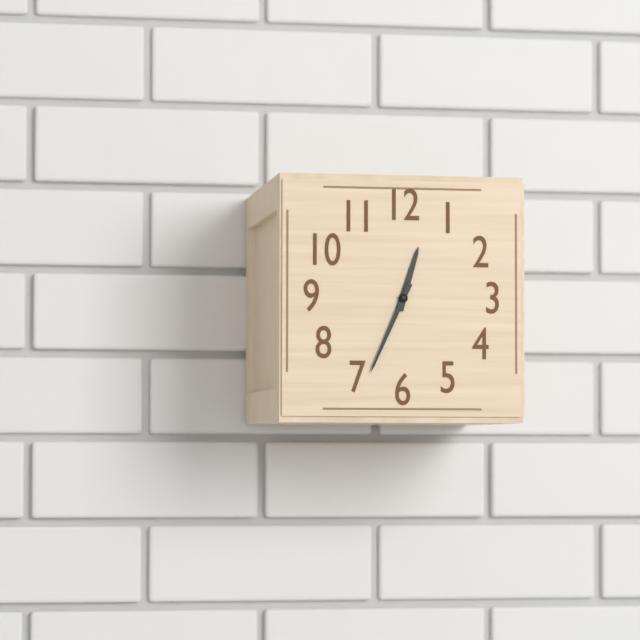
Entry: 12.34
